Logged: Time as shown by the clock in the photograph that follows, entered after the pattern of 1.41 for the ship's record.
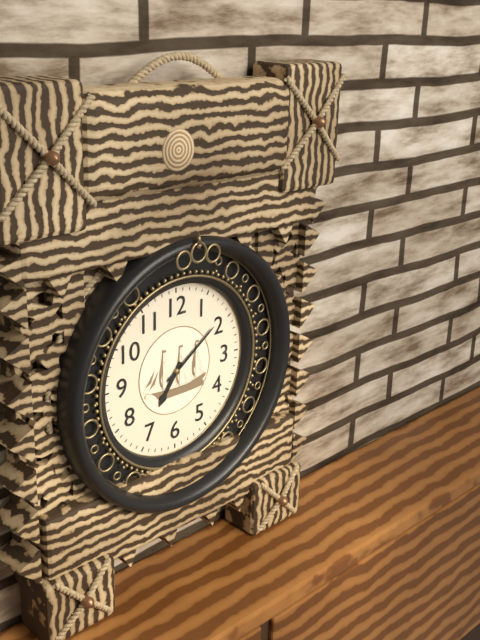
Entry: 7.09
